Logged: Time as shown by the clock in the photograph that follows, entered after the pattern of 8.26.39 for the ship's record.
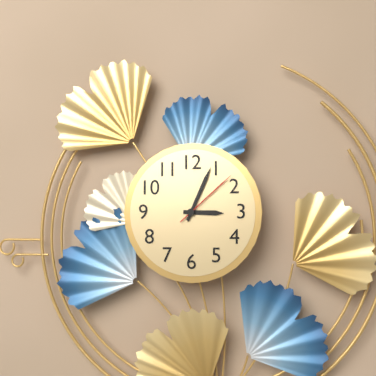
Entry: 3.04.08
